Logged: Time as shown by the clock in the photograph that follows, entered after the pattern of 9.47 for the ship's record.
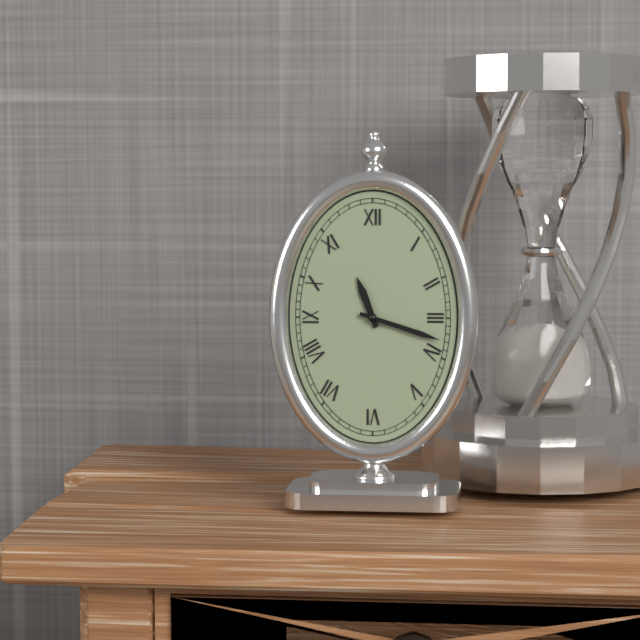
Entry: 11.18
